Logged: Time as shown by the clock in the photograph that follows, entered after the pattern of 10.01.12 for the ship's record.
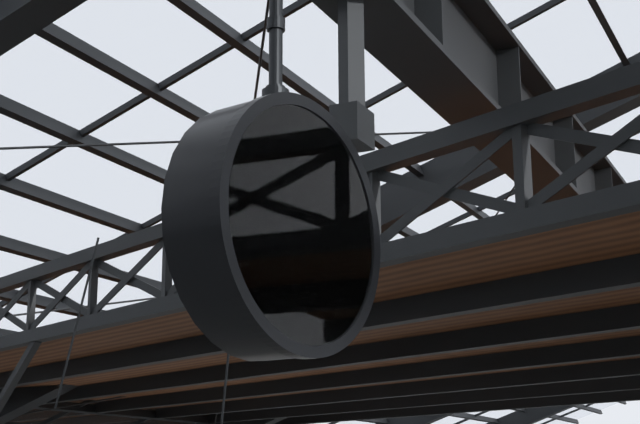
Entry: 7.08.38
